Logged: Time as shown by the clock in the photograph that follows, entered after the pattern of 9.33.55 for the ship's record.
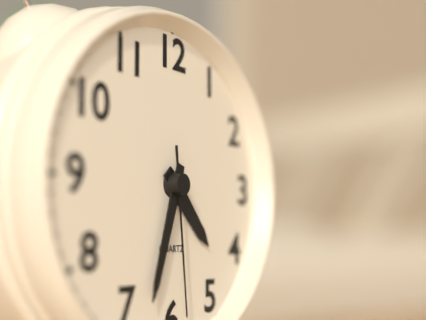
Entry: 4.33.29
